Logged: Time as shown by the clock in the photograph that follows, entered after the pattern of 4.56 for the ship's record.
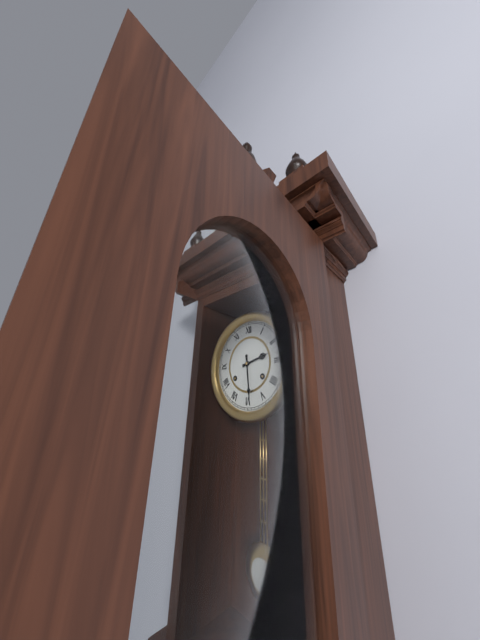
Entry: 2.29
